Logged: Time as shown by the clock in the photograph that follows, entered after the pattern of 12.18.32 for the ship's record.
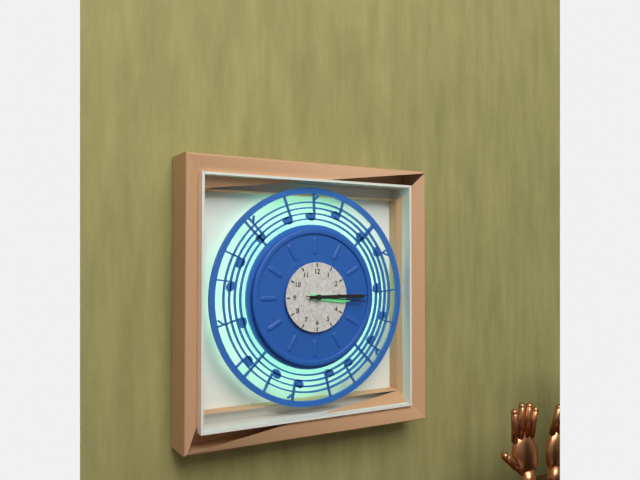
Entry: 3.15.16
